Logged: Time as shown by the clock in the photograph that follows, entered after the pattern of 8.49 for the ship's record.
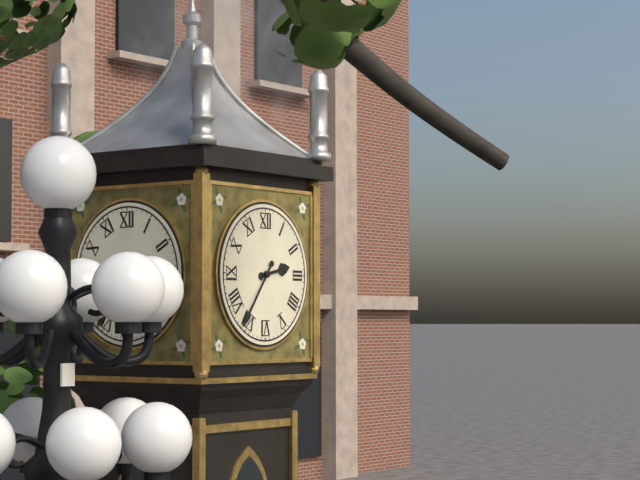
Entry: 2.36
